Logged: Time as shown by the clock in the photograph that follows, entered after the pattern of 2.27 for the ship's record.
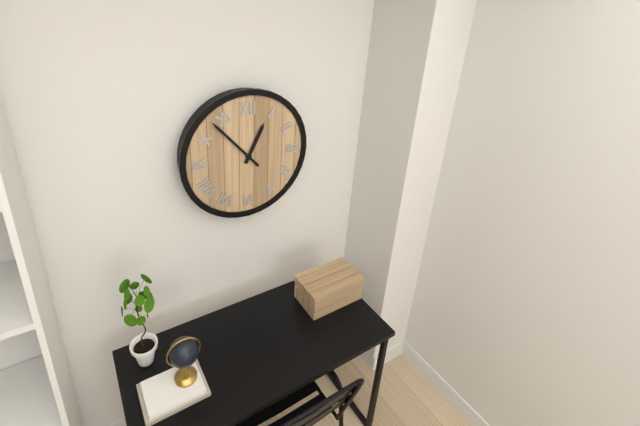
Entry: 12.53
